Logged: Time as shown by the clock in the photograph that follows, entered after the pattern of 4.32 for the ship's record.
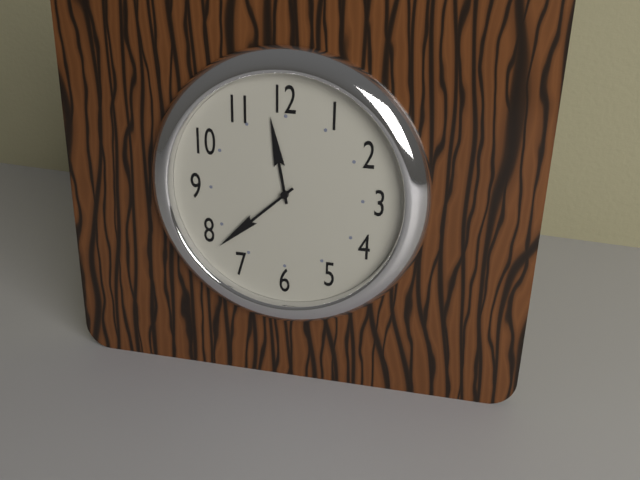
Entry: 11.38
